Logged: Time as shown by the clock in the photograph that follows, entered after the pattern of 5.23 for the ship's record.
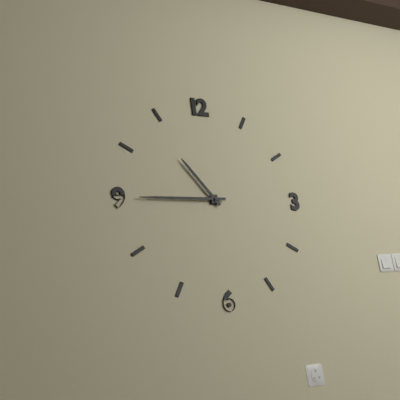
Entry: 10.45
